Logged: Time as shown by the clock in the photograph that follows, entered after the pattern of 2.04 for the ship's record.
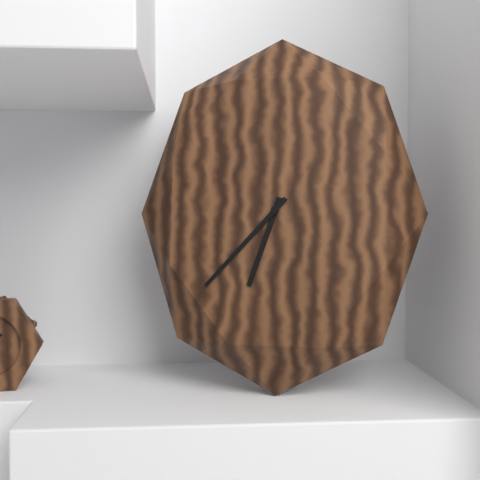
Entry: 6.37
